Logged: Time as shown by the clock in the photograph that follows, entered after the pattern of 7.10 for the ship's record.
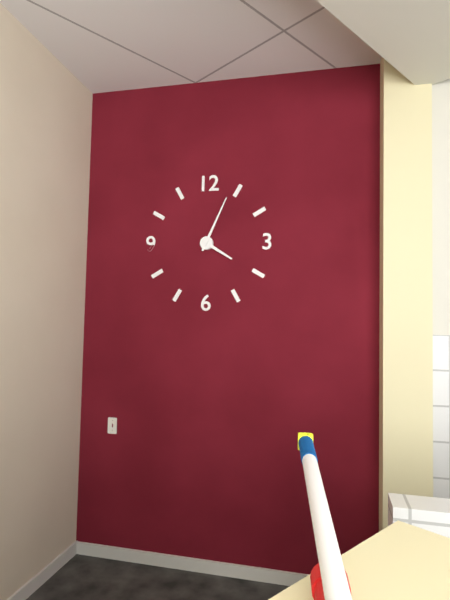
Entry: 4.04
